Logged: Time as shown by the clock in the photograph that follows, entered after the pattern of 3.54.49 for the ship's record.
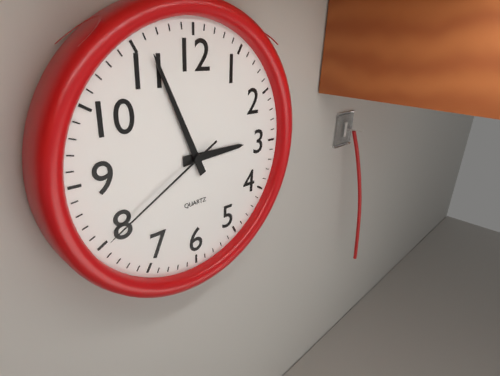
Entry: 2.56.40
